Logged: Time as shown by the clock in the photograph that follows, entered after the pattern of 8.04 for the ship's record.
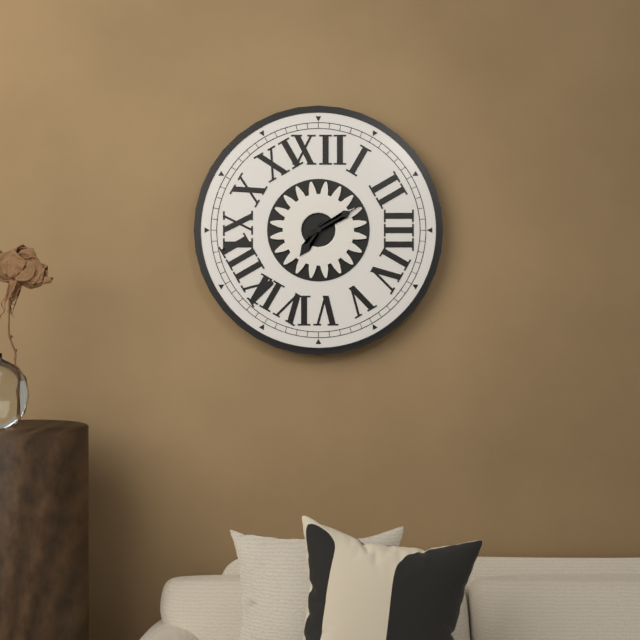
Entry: 7.10
